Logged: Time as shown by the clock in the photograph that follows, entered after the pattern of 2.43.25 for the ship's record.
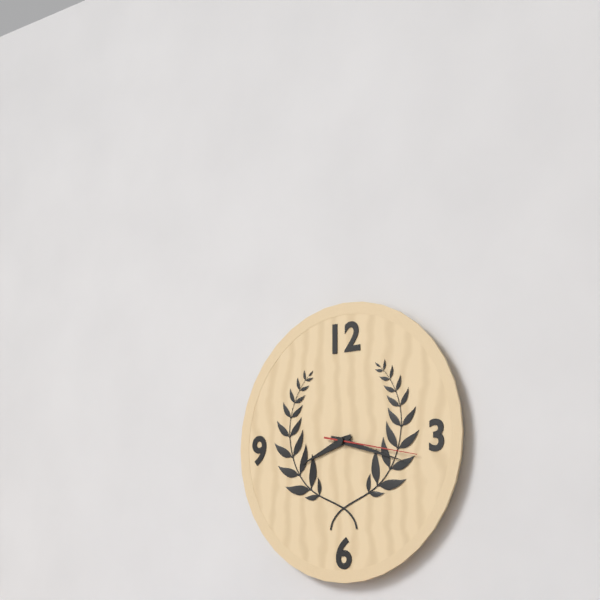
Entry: 8.18.17
